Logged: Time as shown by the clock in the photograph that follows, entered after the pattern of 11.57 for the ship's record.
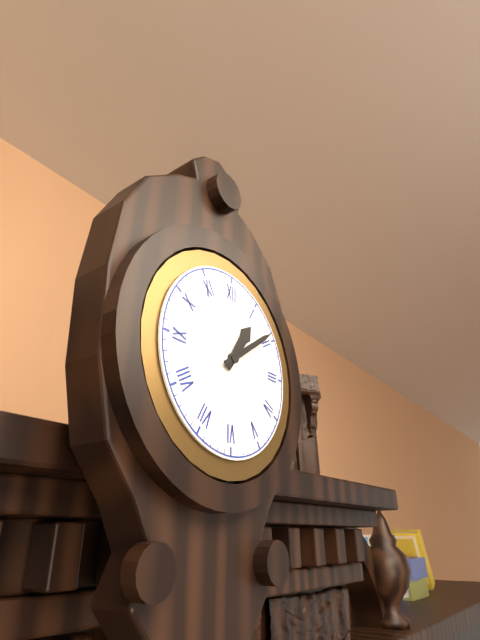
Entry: 1.09
